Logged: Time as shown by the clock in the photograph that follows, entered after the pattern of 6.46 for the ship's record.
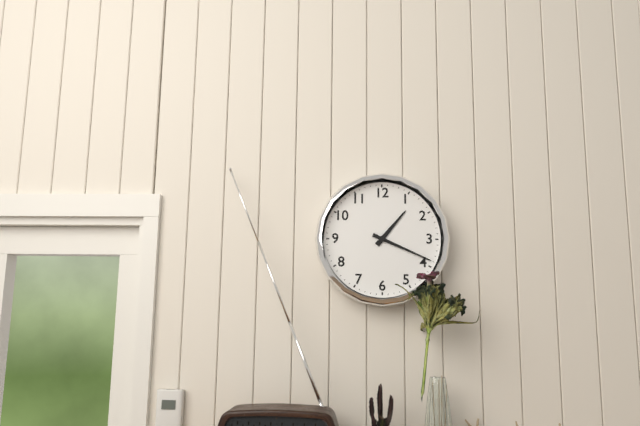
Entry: 1.19
